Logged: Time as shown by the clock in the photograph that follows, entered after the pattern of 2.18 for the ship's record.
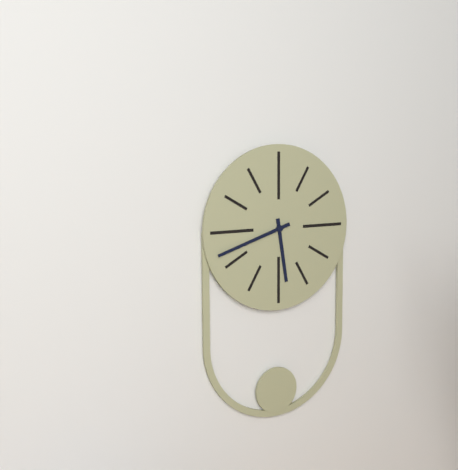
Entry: 5.42
